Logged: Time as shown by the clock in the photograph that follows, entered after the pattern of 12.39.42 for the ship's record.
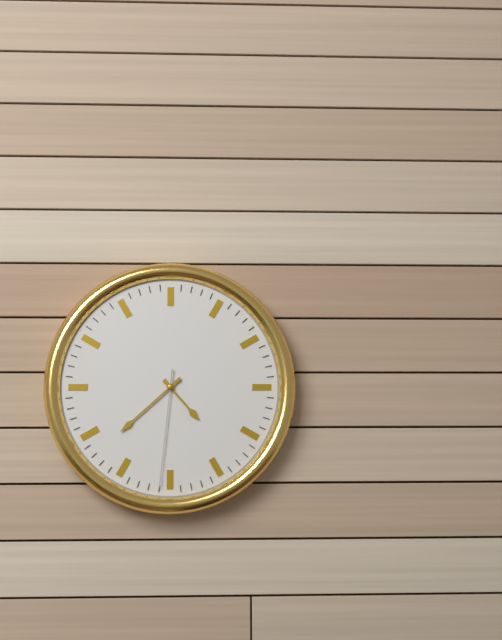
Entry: 4.38.31
